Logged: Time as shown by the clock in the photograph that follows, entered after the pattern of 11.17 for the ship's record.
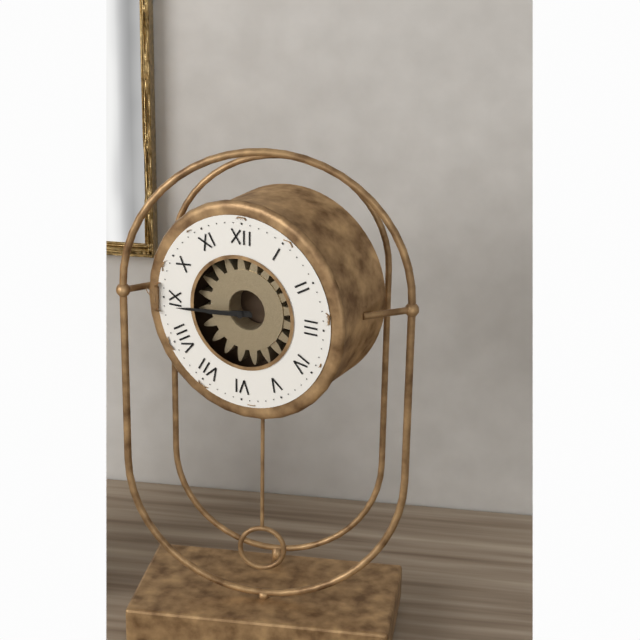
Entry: 8.44
